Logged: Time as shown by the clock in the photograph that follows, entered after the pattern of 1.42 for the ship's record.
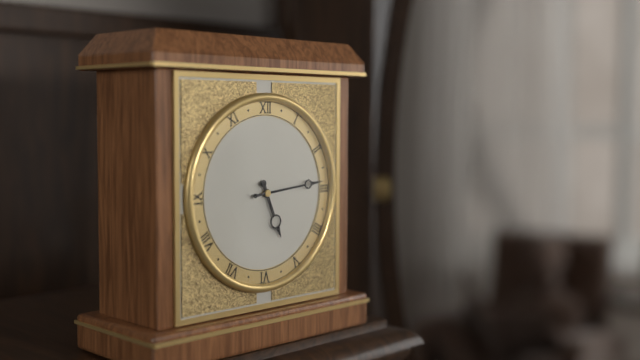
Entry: 5.14
